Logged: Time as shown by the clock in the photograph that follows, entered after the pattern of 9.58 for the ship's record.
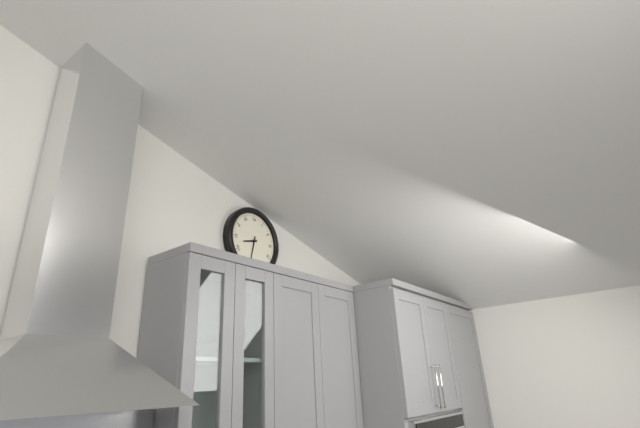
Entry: 8.32
